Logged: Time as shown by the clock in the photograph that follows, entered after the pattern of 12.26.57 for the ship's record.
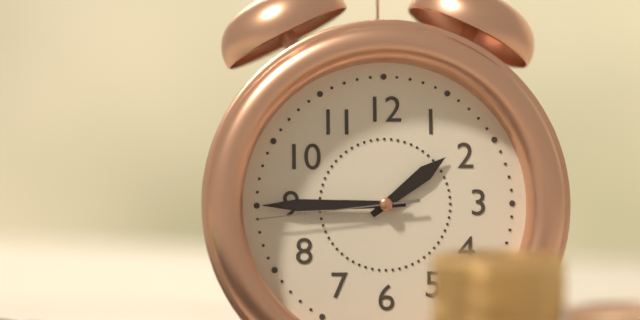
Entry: 1.45.44
